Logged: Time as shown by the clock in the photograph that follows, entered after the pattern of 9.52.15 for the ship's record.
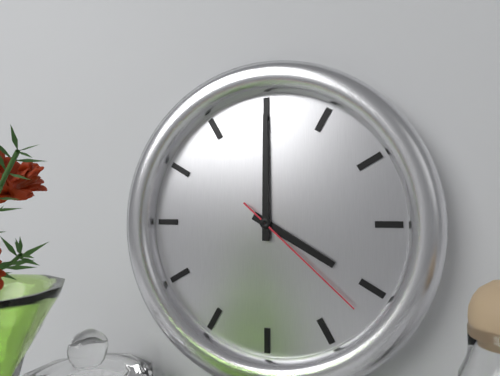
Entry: 4.00.22
